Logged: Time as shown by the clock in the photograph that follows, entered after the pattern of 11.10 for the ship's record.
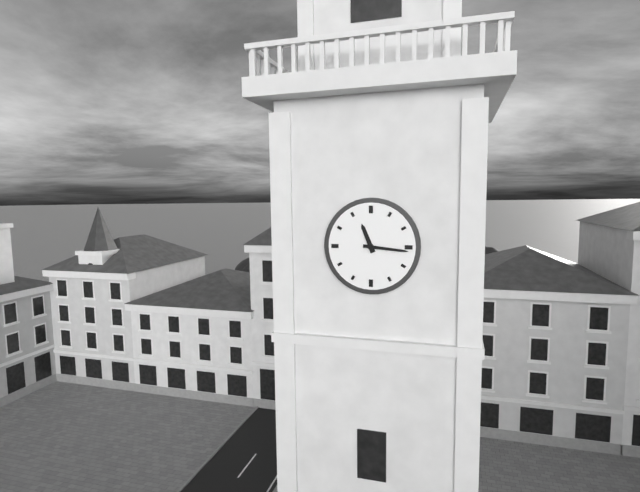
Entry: 11.16
